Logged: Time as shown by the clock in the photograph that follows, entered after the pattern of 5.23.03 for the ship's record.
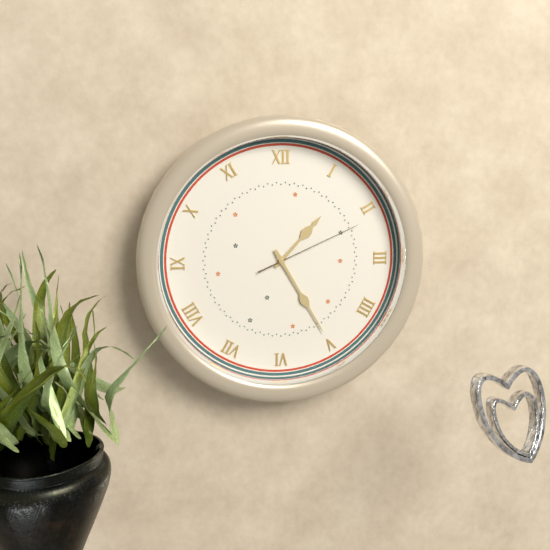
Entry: 1.25.11
